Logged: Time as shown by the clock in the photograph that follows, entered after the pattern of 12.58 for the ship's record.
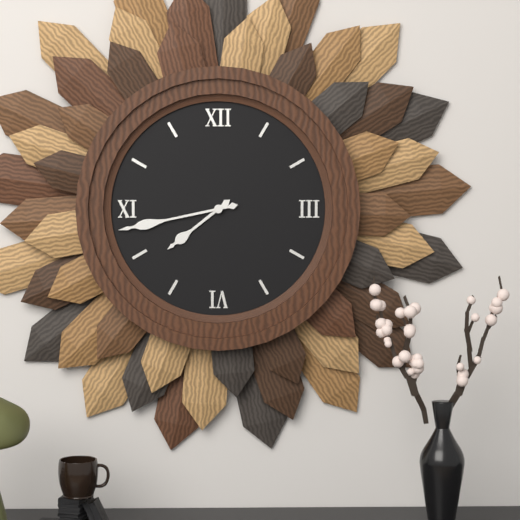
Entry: 7.43
